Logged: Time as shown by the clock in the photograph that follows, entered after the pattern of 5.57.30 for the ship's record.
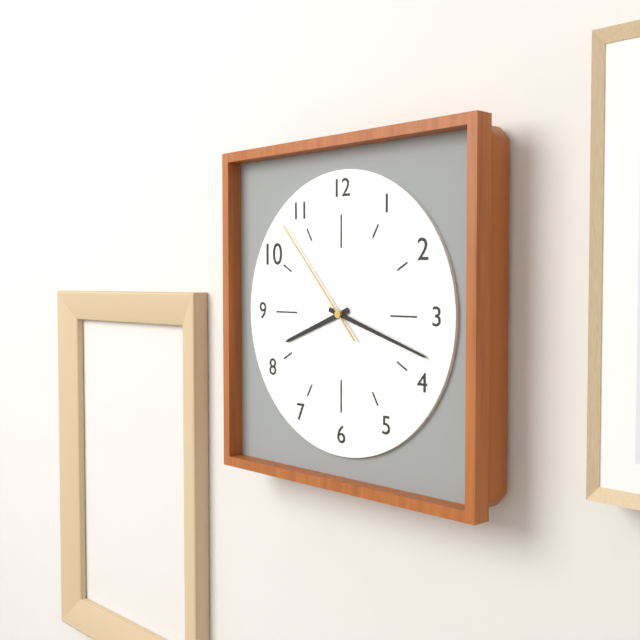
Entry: 8.18.53
